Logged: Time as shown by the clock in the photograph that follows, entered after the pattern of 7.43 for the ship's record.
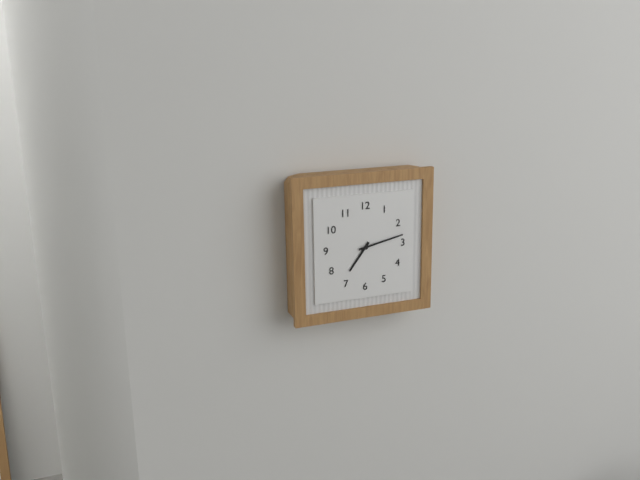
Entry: 7.13
